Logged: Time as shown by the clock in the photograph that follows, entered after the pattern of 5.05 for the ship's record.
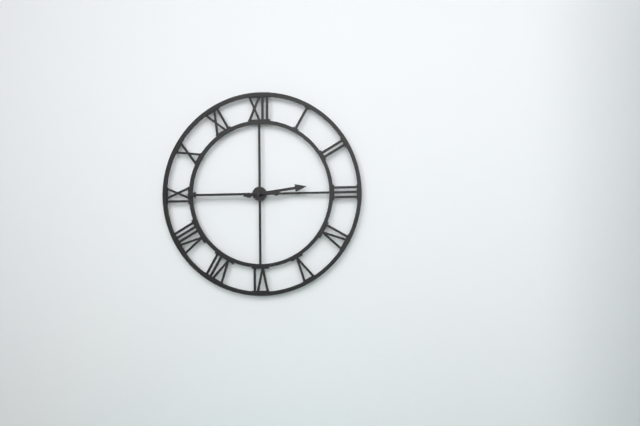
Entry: 2.45
